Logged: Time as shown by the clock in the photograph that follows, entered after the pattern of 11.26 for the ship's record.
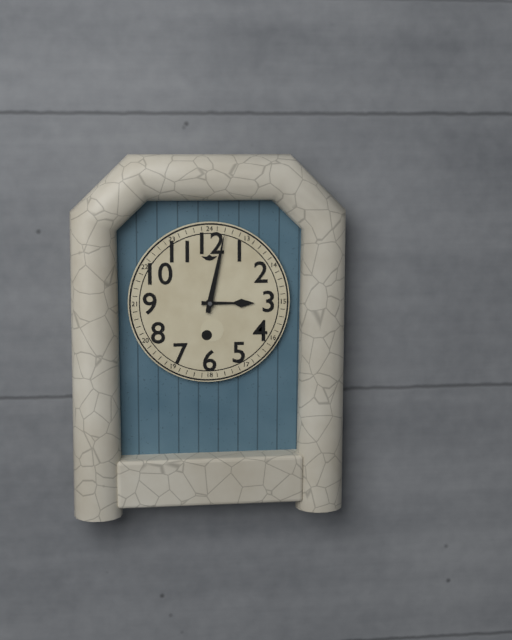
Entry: 3.02
